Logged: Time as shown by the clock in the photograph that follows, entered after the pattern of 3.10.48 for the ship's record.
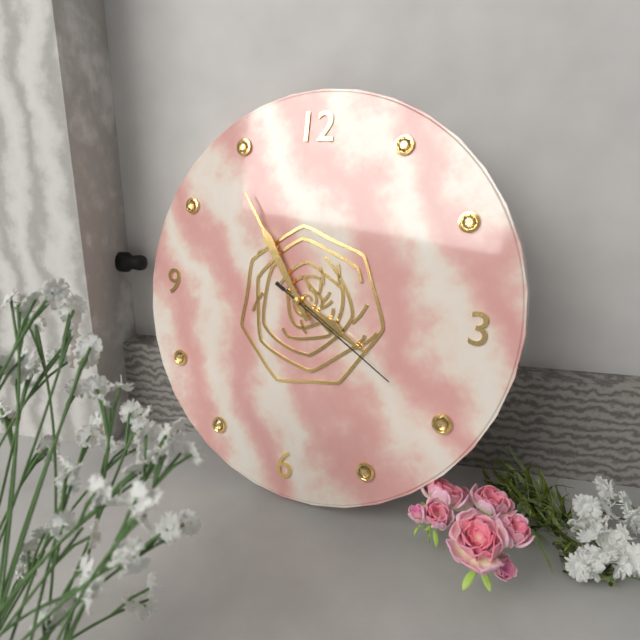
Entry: 3.54.20
